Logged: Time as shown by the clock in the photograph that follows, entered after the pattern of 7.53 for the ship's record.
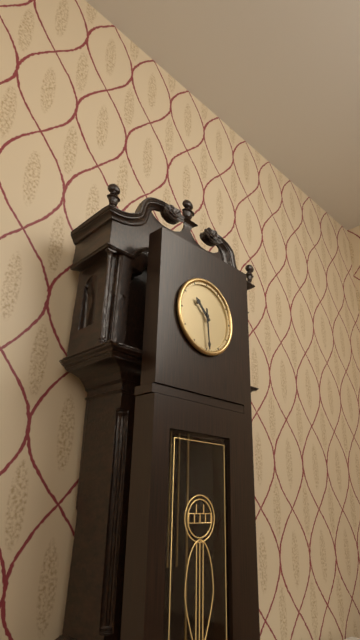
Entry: 10.29
